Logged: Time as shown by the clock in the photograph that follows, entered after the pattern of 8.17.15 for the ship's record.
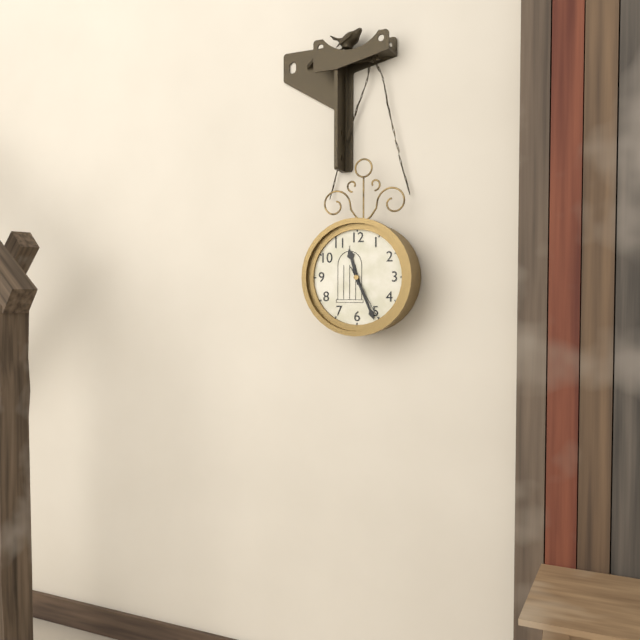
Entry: 11.26.25
